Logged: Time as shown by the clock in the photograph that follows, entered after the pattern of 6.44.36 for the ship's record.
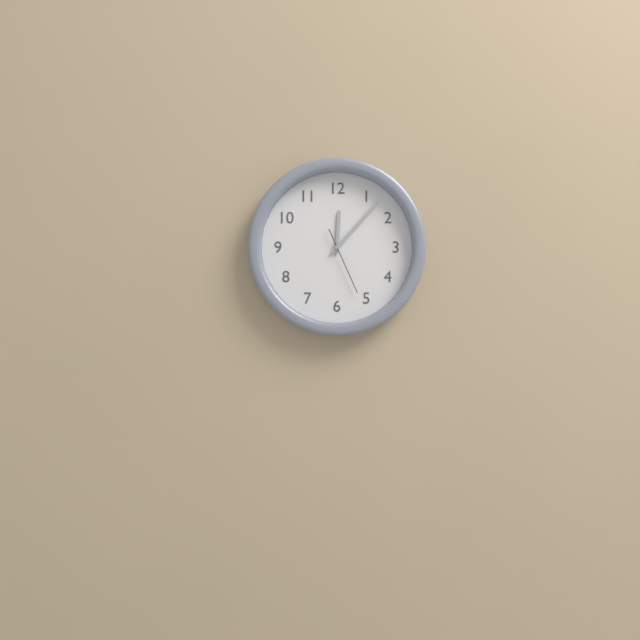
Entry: 12.07.26
